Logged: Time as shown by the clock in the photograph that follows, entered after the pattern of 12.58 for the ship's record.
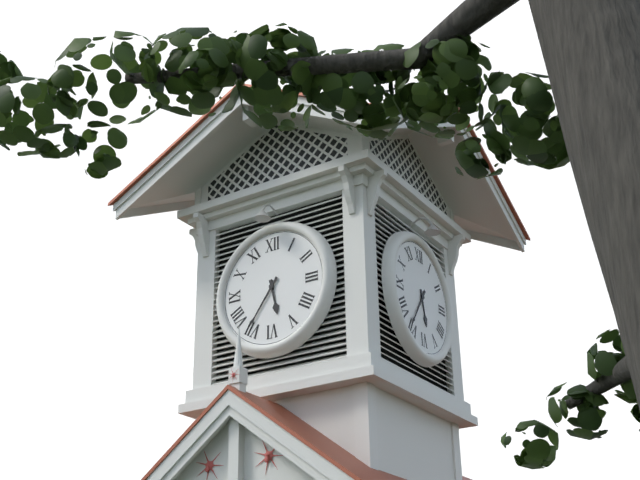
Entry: 5.36
